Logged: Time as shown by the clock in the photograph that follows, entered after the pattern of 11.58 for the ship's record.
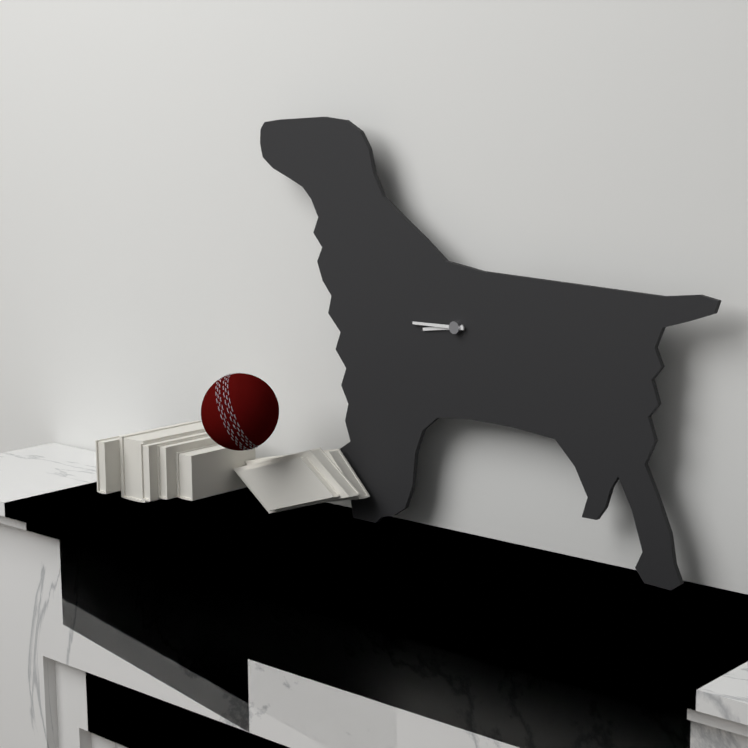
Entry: 8.45
